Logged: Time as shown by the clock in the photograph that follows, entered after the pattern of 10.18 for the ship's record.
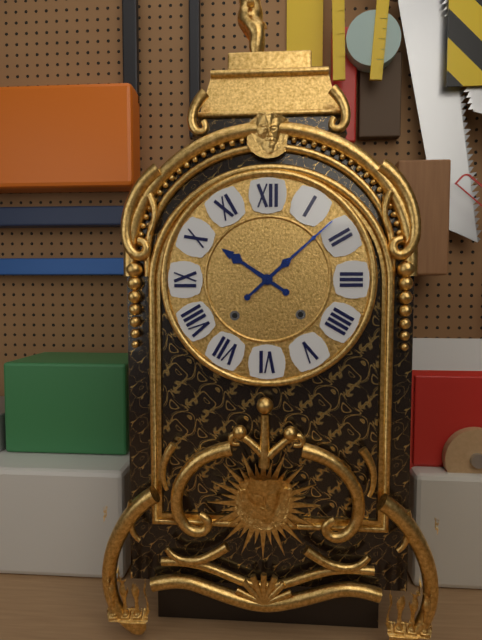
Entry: 10.08
